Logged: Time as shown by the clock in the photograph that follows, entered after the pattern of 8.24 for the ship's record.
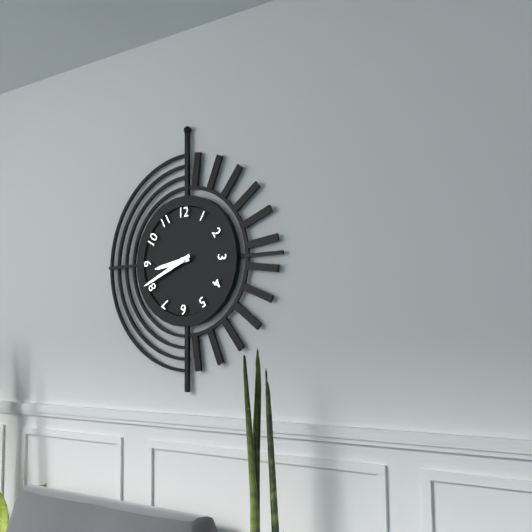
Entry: 8.41
